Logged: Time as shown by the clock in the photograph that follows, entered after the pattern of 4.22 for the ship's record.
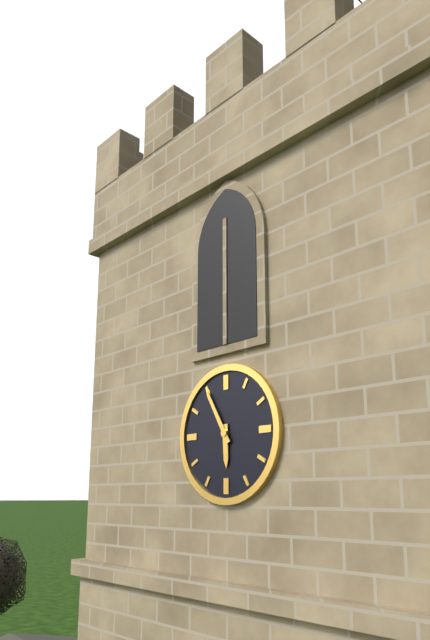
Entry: 5.55
